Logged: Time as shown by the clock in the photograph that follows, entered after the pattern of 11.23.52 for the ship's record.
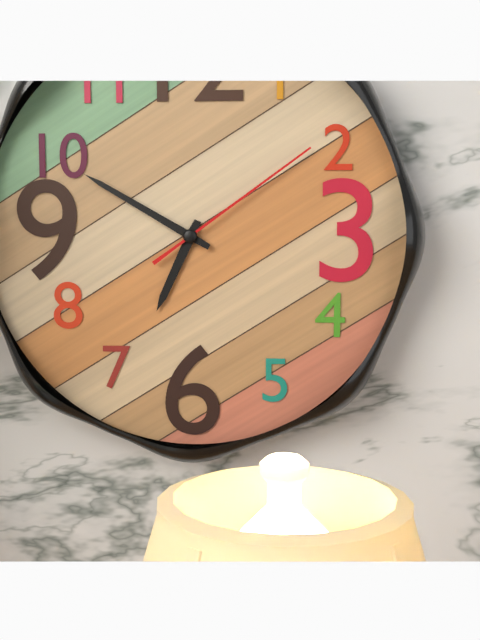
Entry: 6.50.09
